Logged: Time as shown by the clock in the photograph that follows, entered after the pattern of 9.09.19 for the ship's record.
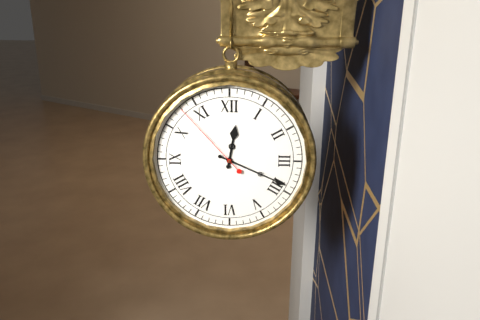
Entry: 12.19.53
